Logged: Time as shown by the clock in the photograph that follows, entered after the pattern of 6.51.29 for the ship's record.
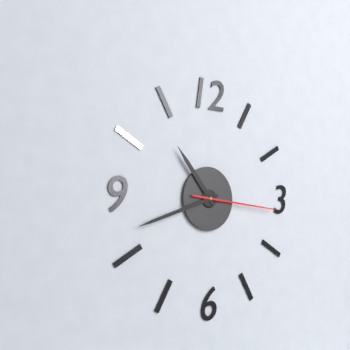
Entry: 10.42.16
